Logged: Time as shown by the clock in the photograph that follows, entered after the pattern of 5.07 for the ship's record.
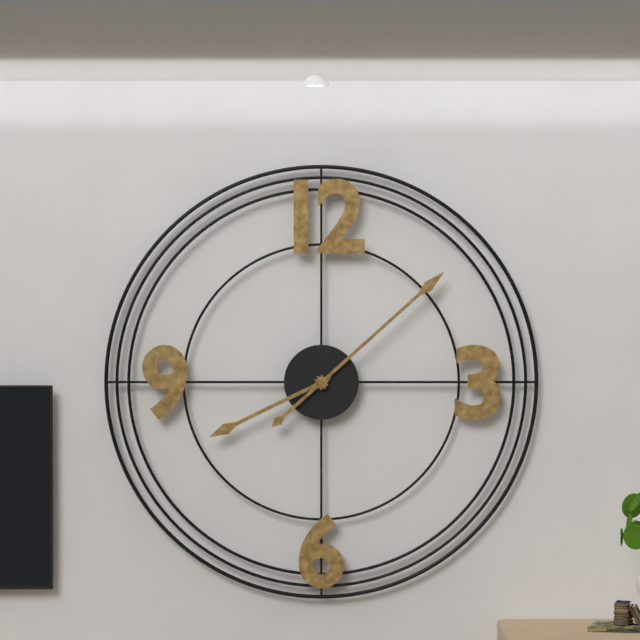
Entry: 8.08
